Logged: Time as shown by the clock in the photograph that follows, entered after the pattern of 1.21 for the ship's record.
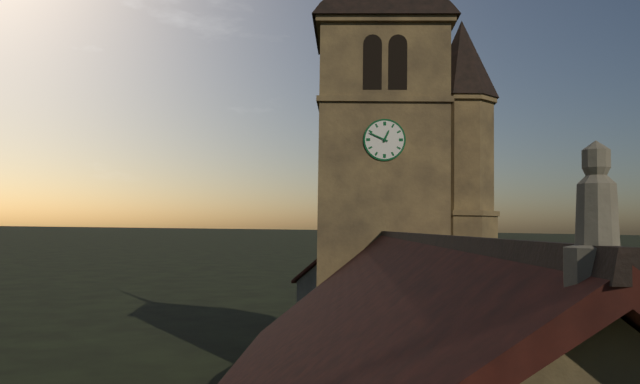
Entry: 12.49
